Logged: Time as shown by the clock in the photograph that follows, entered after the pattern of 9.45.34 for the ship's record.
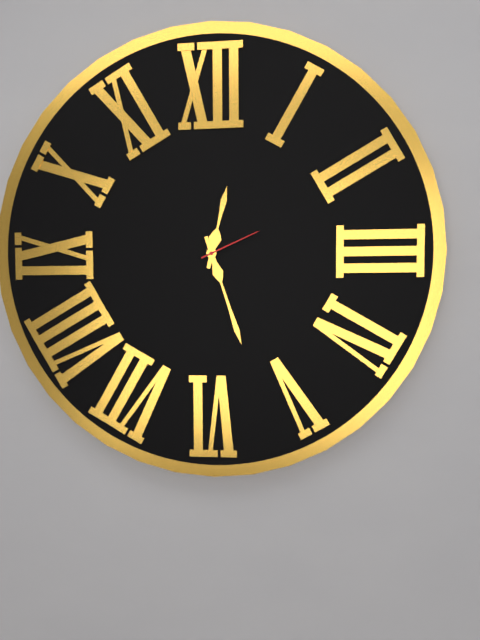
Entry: 12.27.11
